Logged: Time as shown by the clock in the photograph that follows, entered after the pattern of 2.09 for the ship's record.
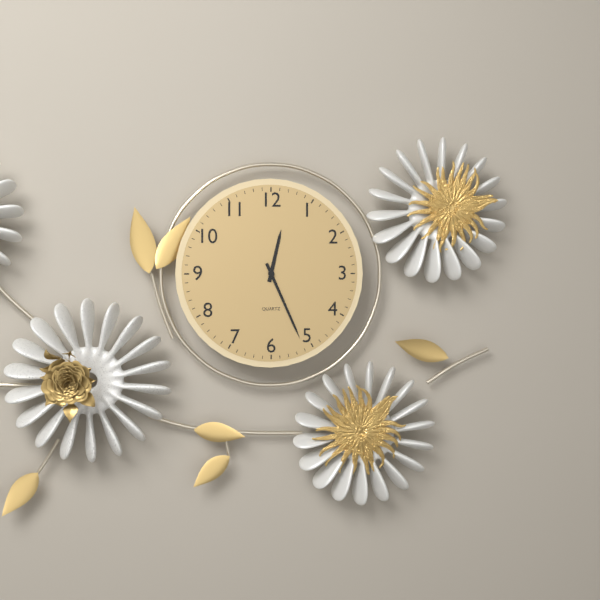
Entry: 12.26
